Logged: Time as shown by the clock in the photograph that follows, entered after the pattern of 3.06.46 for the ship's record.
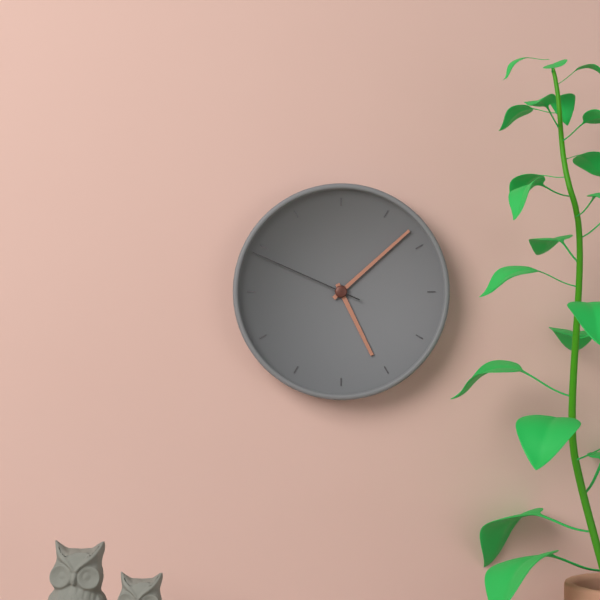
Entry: 5.08.49
